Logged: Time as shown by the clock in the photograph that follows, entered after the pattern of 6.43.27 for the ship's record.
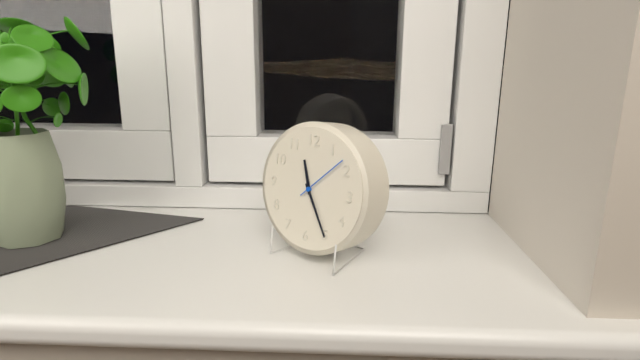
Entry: 11.25.08
